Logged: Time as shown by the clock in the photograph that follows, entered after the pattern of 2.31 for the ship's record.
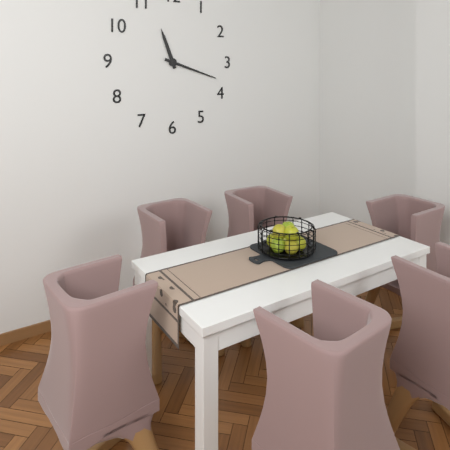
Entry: 11.18
